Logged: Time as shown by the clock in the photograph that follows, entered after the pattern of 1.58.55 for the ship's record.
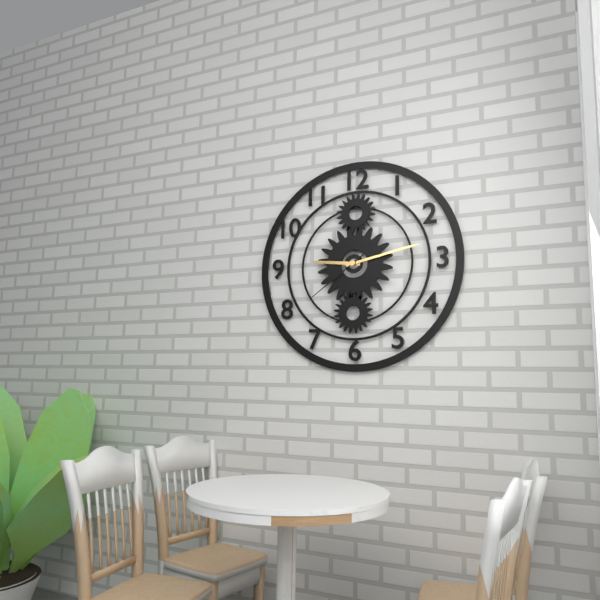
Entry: 9.13.39
